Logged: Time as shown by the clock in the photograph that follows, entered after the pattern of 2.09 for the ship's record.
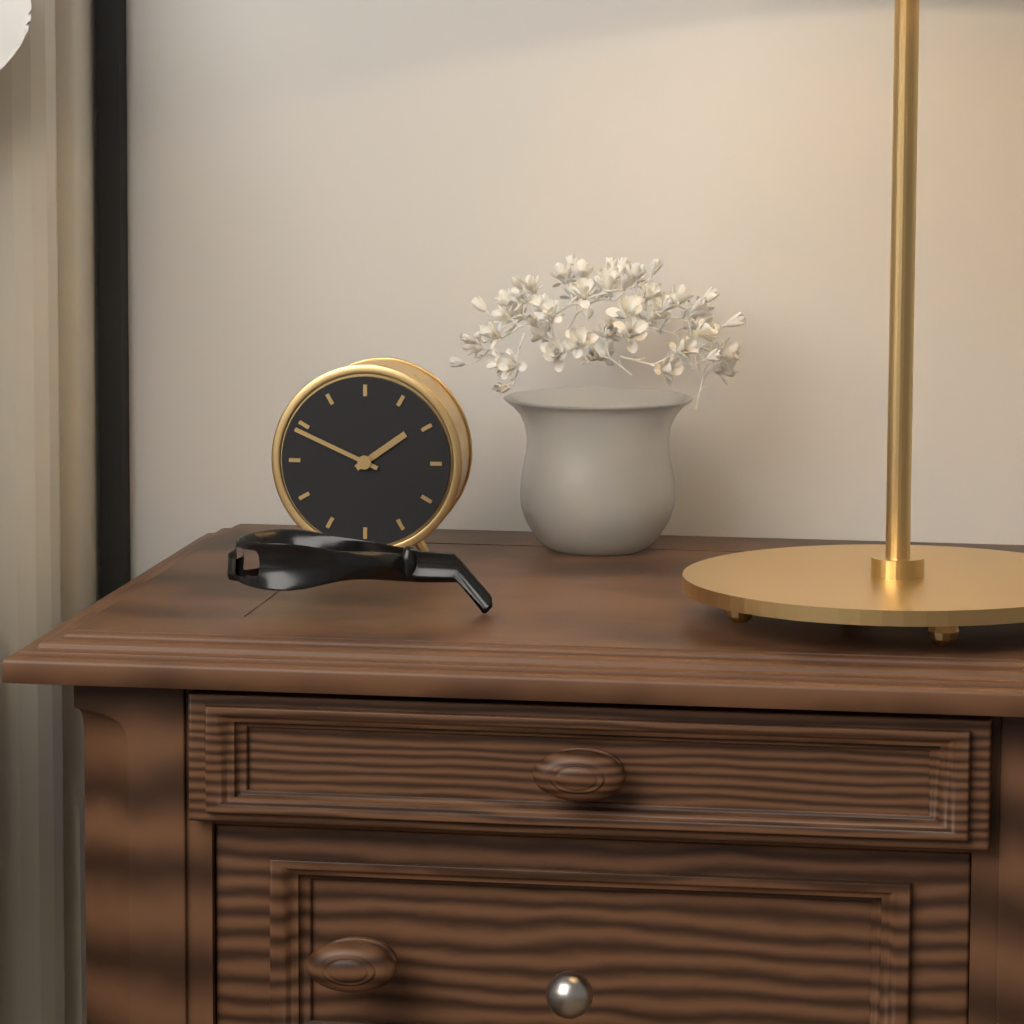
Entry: 1.49
